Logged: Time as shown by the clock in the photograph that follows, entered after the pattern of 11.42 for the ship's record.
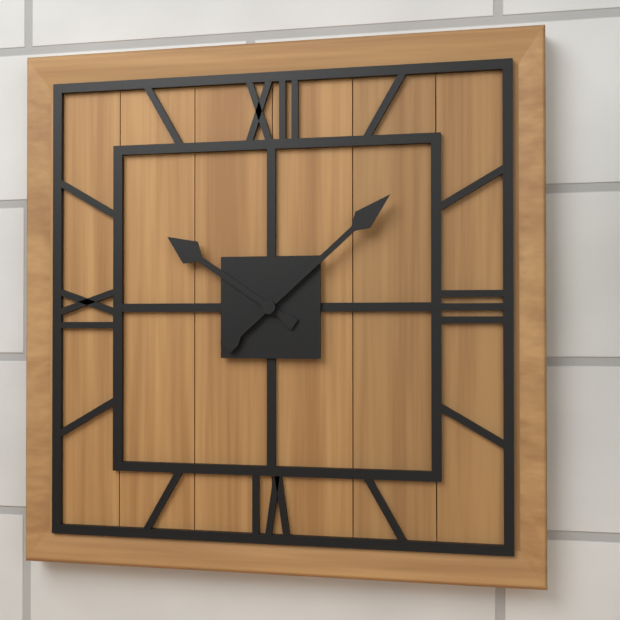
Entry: 10.08
